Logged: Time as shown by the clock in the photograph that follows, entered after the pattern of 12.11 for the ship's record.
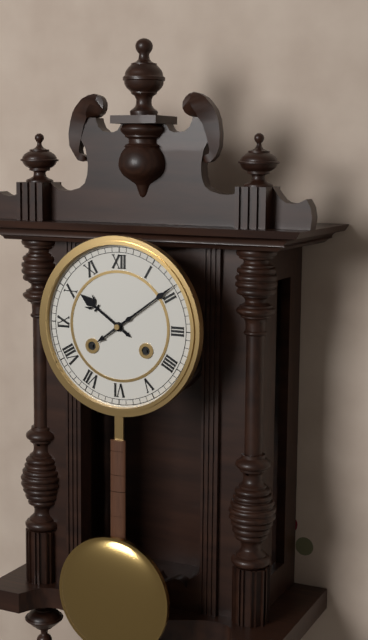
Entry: 10.09
